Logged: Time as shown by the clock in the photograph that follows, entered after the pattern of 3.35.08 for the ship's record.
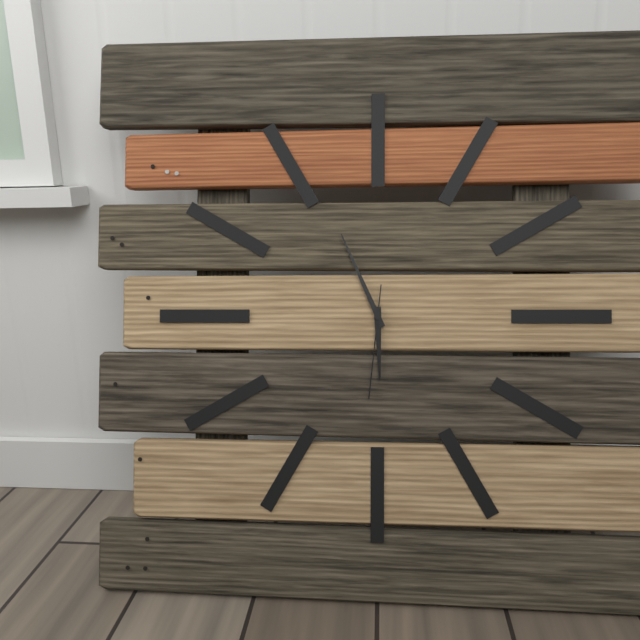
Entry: 5.56.31
